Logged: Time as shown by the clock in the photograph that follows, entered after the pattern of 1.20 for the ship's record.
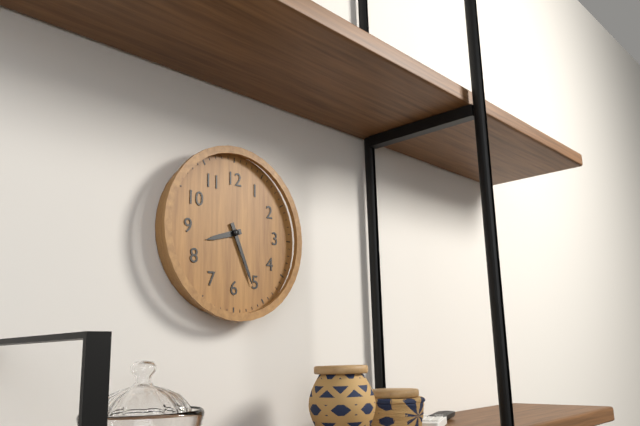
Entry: 8.26
